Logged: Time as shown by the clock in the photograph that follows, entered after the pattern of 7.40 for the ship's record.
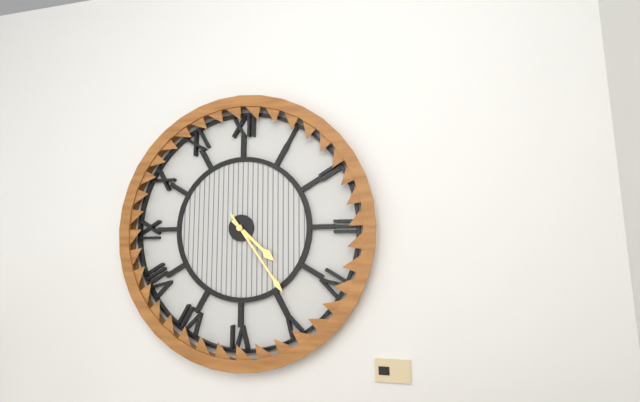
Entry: 4.24
